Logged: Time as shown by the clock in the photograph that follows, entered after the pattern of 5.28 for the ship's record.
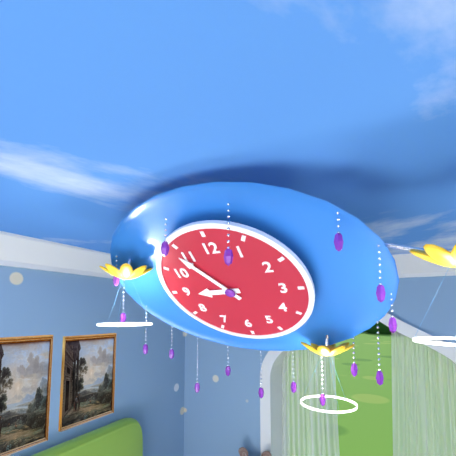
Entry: 8.54
